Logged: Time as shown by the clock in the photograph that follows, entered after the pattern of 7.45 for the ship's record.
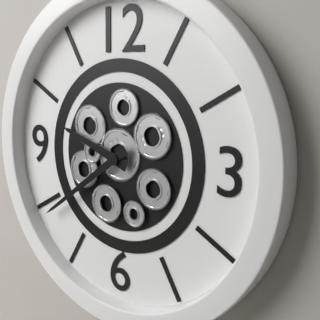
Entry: 9.39
